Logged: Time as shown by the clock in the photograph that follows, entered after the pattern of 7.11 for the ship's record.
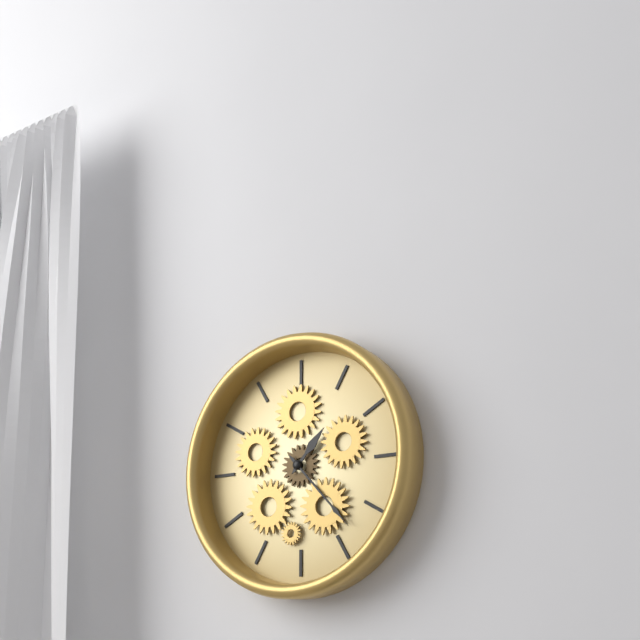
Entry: 1.23
